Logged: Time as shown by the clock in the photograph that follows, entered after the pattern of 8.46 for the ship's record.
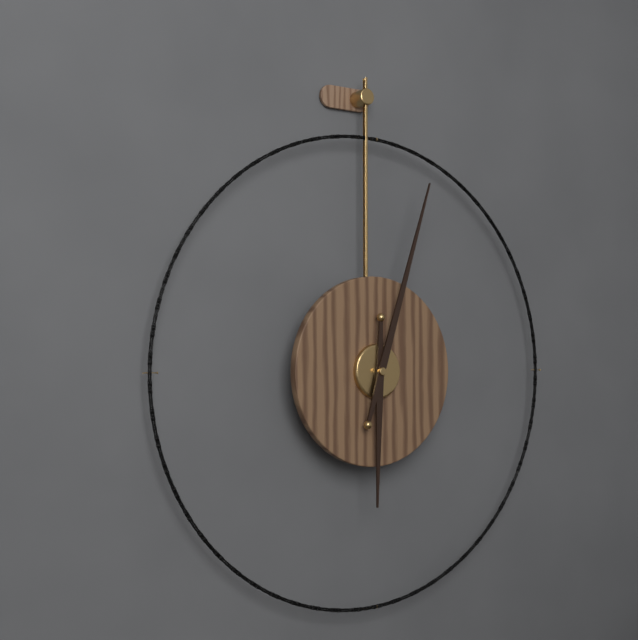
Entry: 6.03
